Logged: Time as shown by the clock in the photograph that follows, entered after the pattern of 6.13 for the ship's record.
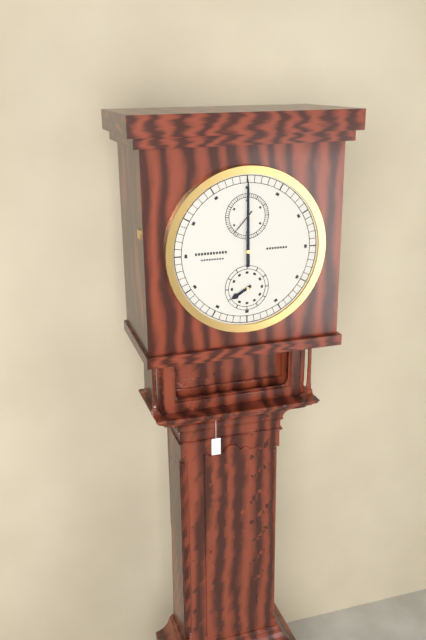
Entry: 8.00
